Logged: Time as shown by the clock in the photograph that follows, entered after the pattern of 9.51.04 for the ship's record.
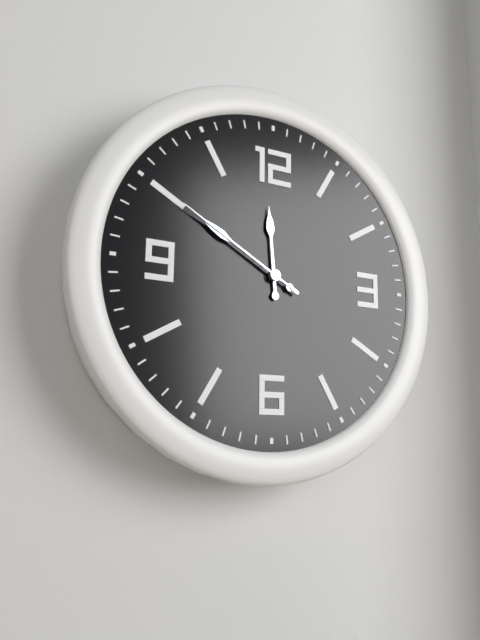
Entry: 11.50.50
